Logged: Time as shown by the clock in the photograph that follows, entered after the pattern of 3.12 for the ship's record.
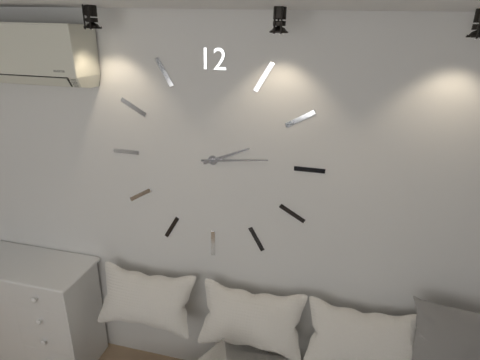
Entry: 2.14
